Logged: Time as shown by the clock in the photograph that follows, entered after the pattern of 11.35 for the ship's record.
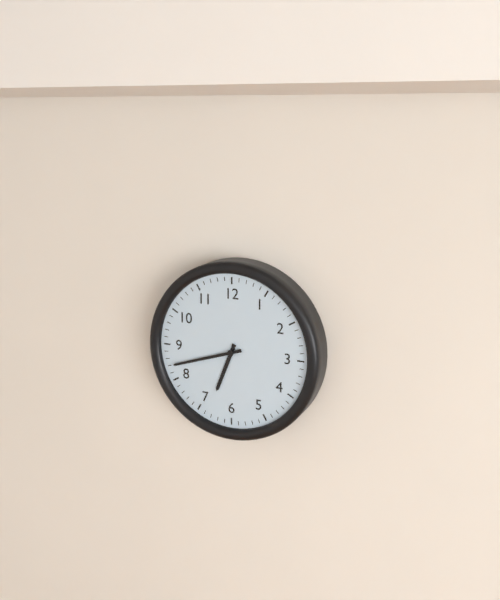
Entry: 6.42
